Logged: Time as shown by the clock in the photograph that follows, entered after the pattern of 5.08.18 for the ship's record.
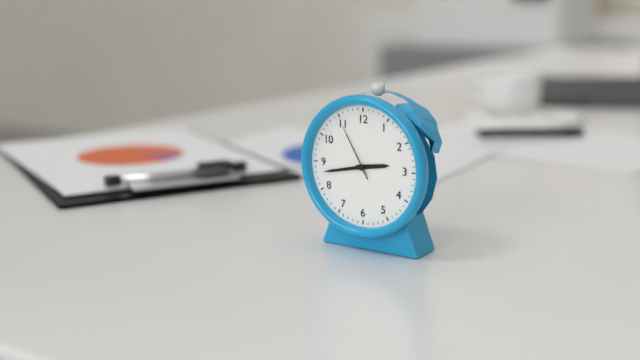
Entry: 2.43.55
